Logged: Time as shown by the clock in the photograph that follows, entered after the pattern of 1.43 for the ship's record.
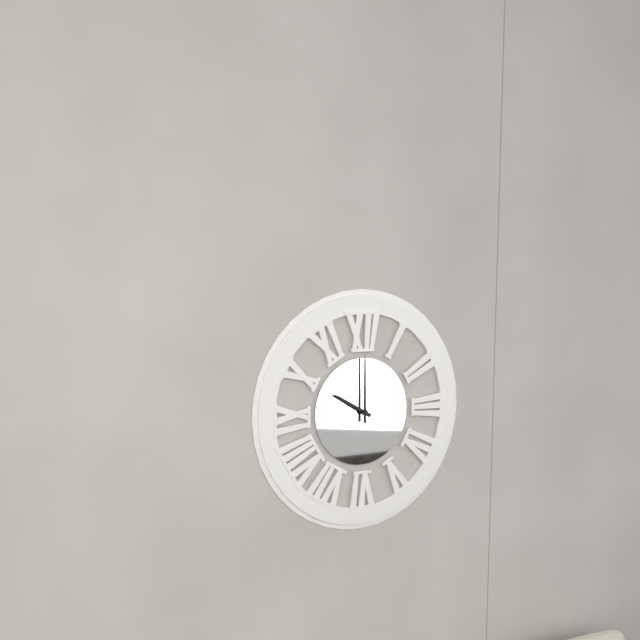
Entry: 10.00
